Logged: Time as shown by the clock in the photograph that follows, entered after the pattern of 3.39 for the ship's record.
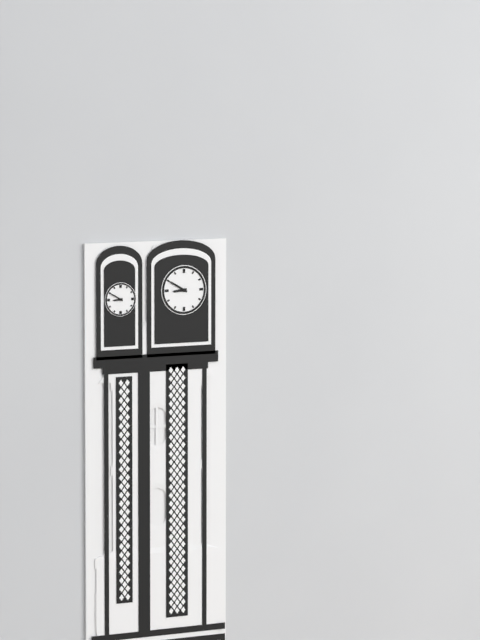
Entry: 8.50
